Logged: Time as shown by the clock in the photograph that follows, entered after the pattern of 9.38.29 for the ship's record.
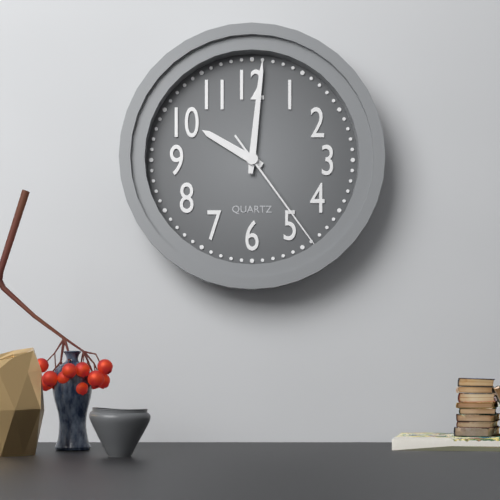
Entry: 10.01.24
